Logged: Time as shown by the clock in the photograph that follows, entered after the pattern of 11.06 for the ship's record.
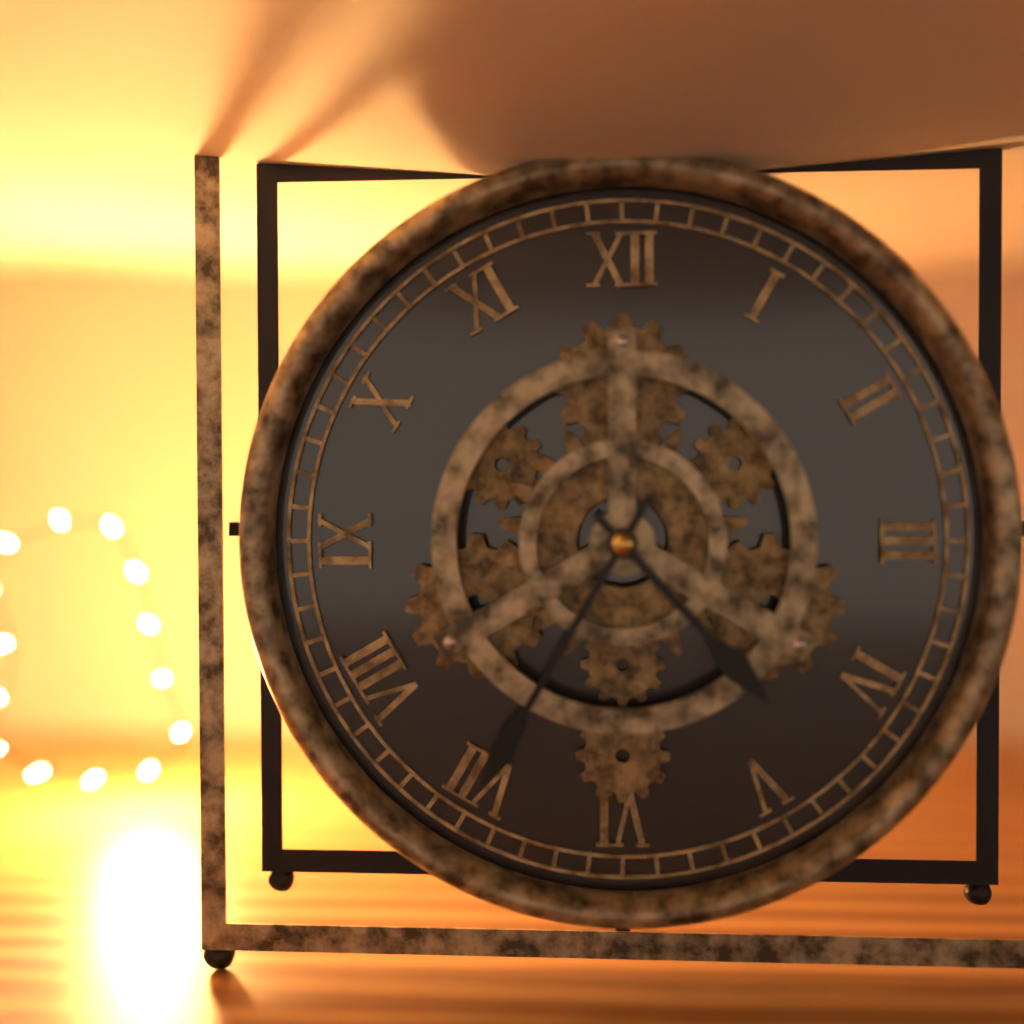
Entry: 4.35
